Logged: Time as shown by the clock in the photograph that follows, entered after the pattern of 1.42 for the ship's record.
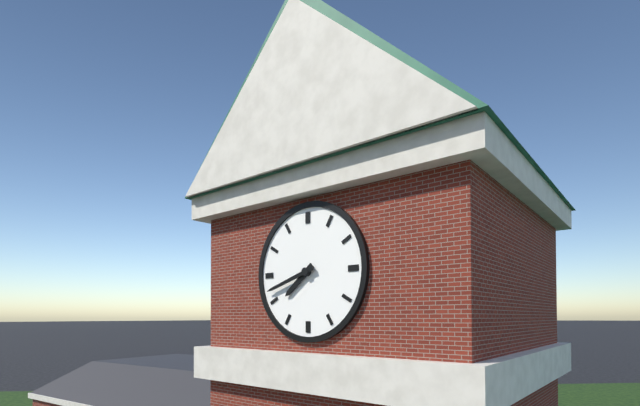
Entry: 7.42
